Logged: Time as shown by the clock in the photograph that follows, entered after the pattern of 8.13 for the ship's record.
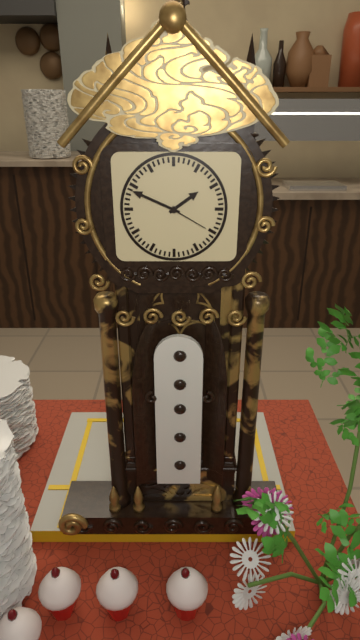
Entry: 1.49
